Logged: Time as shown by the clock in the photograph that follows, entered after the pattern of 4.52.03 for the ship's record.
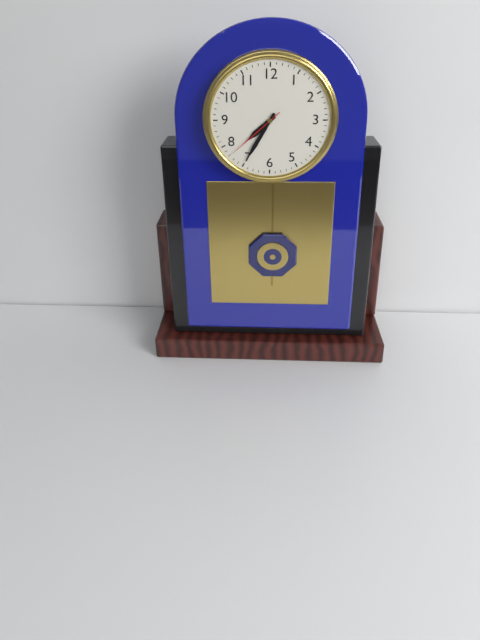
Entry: 7.35.38
